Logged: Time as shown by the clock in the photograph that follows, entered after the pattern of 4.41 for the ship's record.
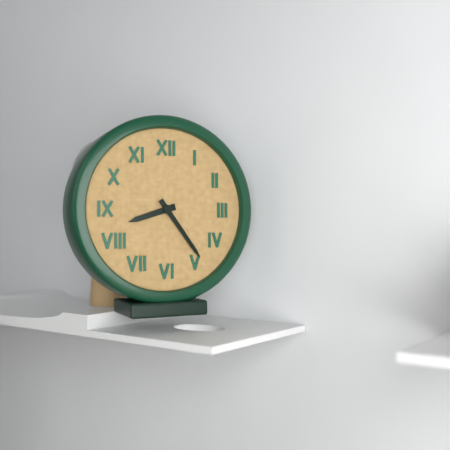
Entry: 8.24
